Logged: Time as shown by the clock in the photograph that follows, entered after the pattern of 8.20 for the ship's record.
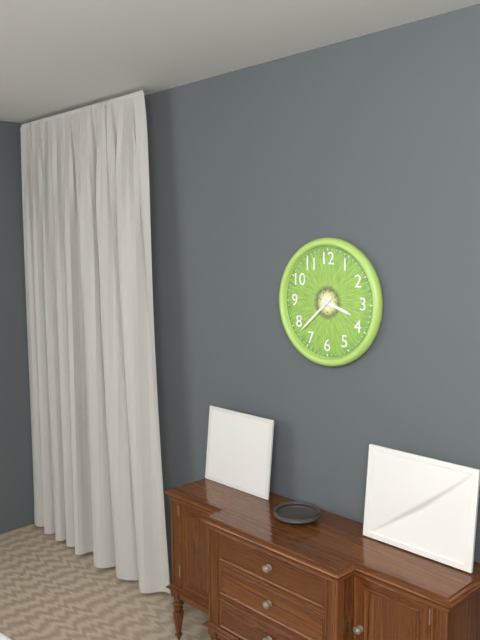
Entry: 3.38
